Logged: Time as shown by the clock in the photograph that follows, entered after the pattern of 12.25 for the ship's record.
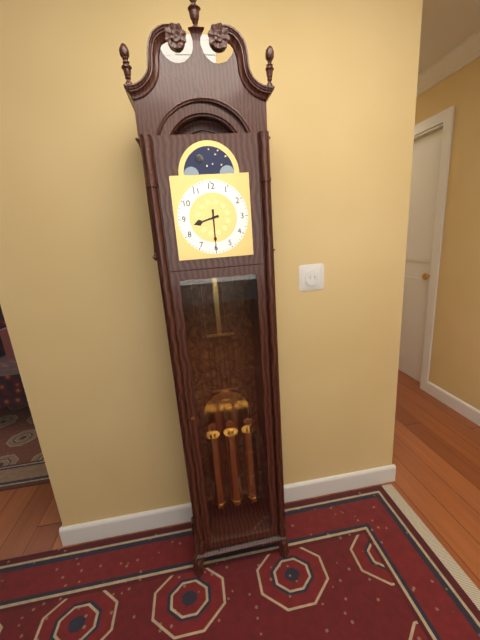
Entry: 8.30
